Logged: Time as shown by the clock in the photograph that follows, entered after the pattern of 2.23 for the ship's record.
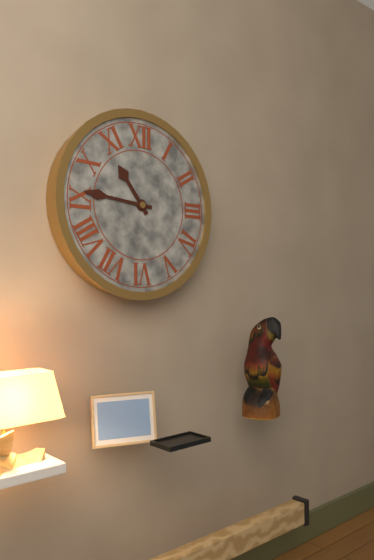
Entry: 10.46
